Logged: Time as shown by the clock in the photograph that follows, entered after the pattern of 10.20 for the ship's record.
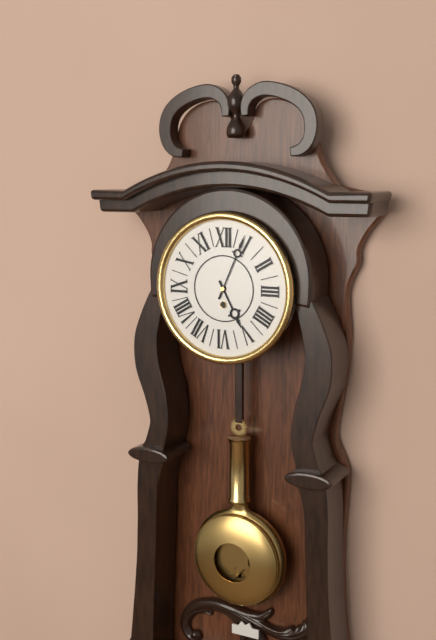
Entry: 5.04
